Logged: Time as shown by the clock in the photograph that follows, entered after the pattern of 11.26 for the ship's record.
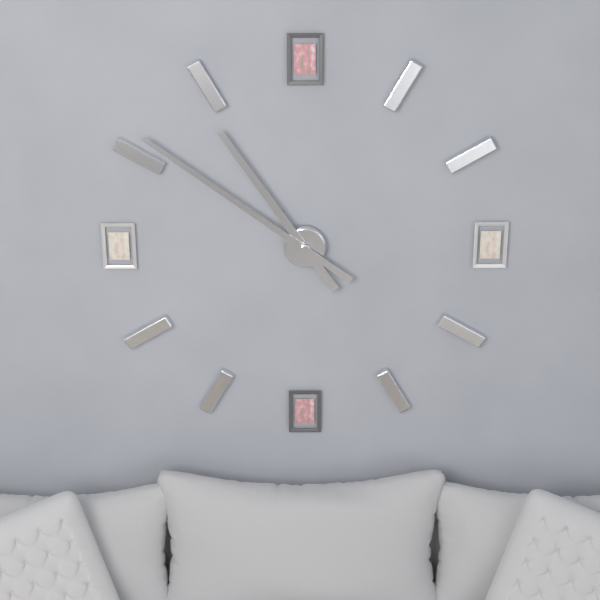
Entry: 10.51
